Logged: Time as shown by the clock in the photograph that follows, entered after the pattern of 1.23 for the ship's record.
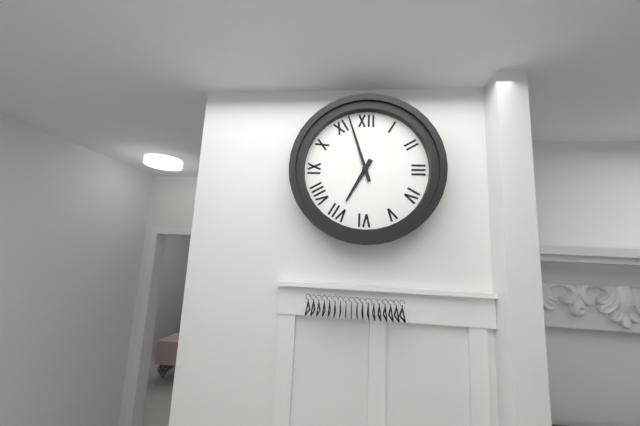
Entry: 6.57
